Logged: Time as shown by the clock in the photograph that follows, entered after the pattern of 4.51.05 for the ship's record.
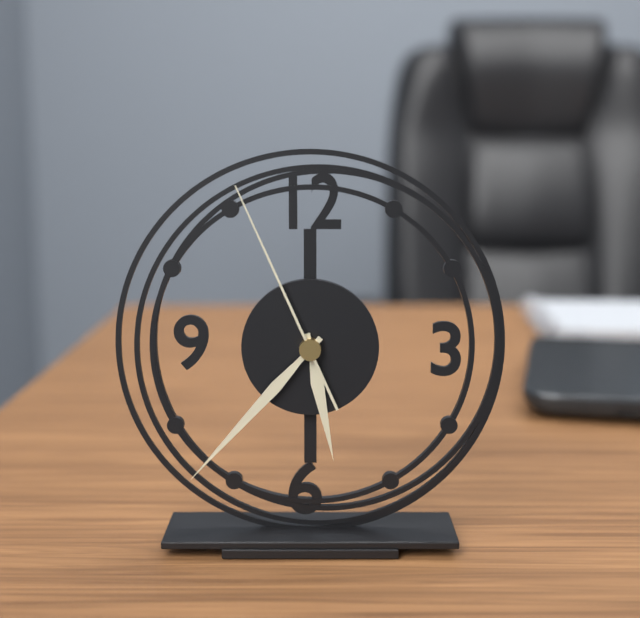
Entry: 5.37.56
